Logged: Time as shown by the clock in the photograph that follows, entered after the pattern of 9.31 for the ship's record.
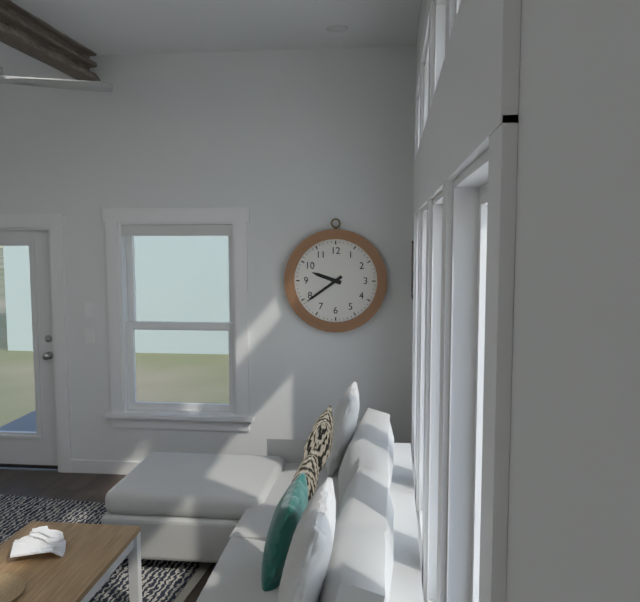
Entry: 9.39
